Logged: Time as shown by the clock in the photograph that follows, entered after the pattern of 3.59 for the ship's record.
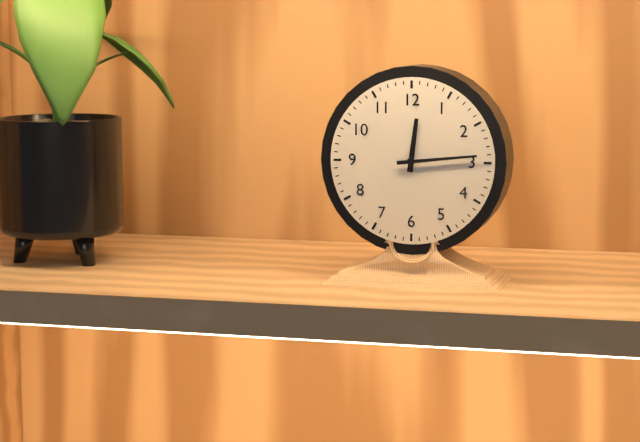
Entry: 12.14
